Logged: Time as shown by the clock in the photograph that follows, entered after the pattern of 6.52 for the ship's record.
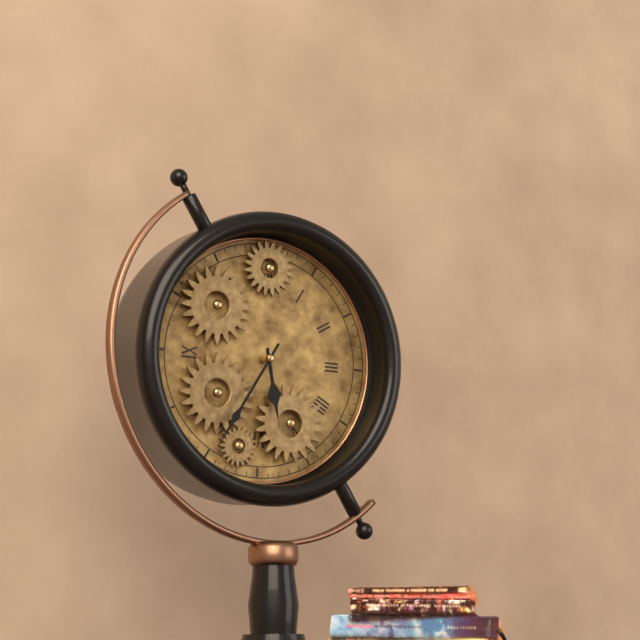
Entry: 5.35
